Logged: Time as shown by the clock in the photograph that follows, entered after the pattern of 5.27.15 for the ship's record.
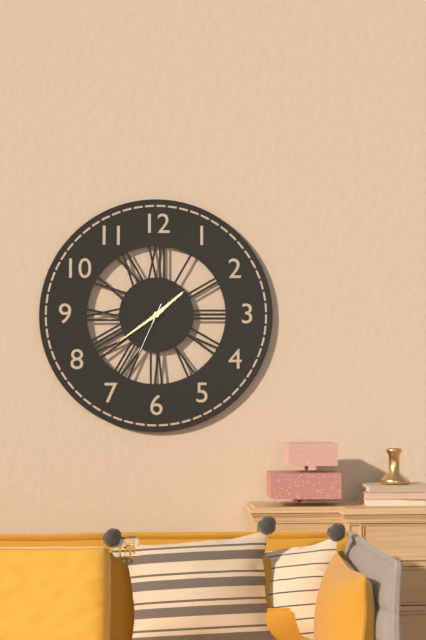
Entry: 1.39.34
